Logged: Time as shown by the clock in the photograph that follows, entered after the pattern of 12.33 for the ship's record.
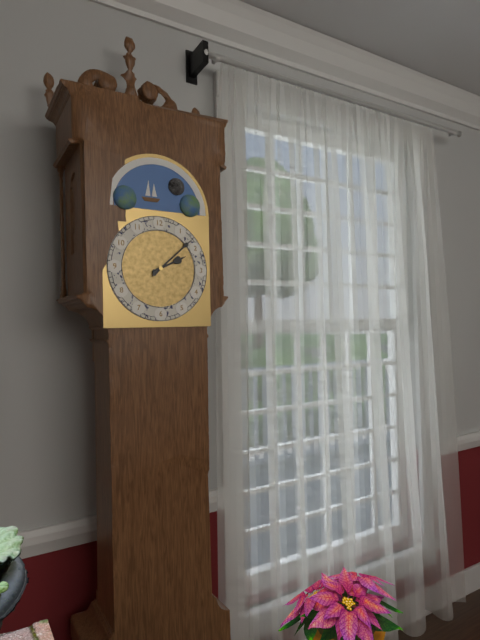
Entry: 2.08
